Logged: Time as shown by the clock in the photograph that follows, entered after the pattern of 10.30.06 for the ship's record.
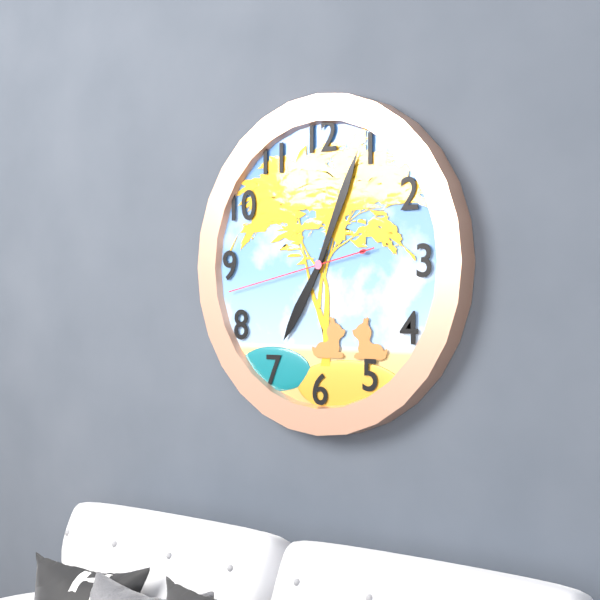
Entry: 7.04.43
